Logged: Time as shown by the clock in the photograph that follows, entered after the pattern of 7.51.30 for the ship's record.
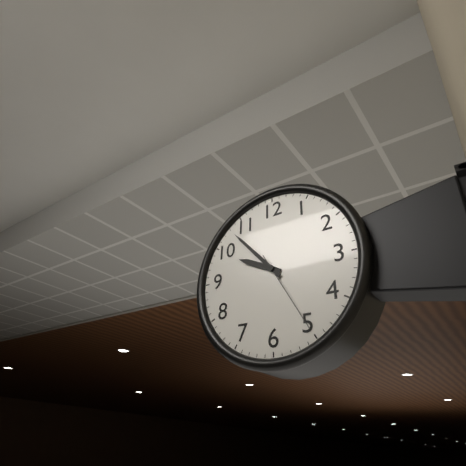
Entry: 9.53.25
